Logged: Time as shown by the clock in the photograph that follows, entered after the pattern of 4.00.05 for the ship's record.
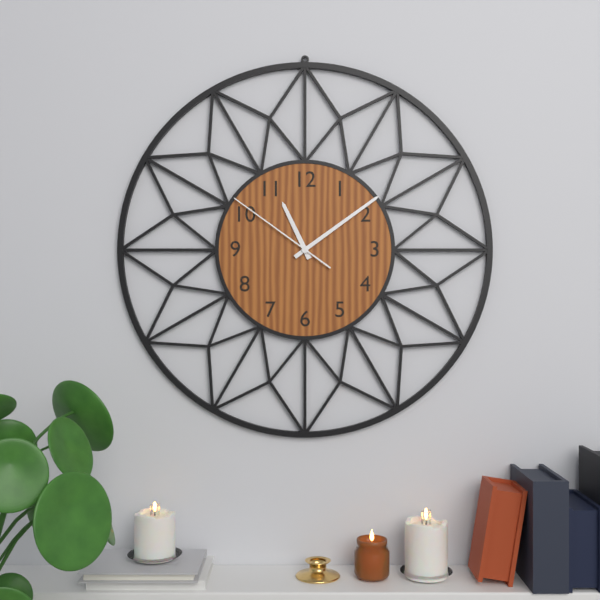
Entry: 11.09.51
